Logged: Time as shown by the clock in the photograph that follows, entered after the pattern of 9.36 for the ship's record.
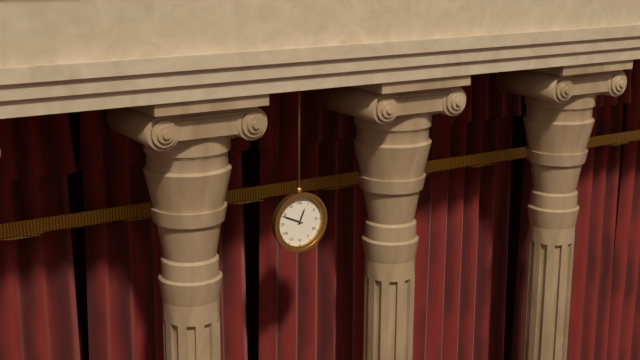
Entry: 12.49
